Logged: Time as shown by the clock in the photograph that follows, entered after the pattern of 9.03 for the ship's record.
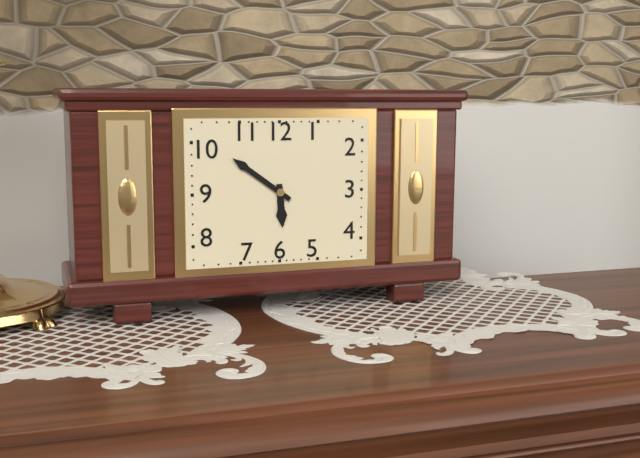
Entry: 5.51
